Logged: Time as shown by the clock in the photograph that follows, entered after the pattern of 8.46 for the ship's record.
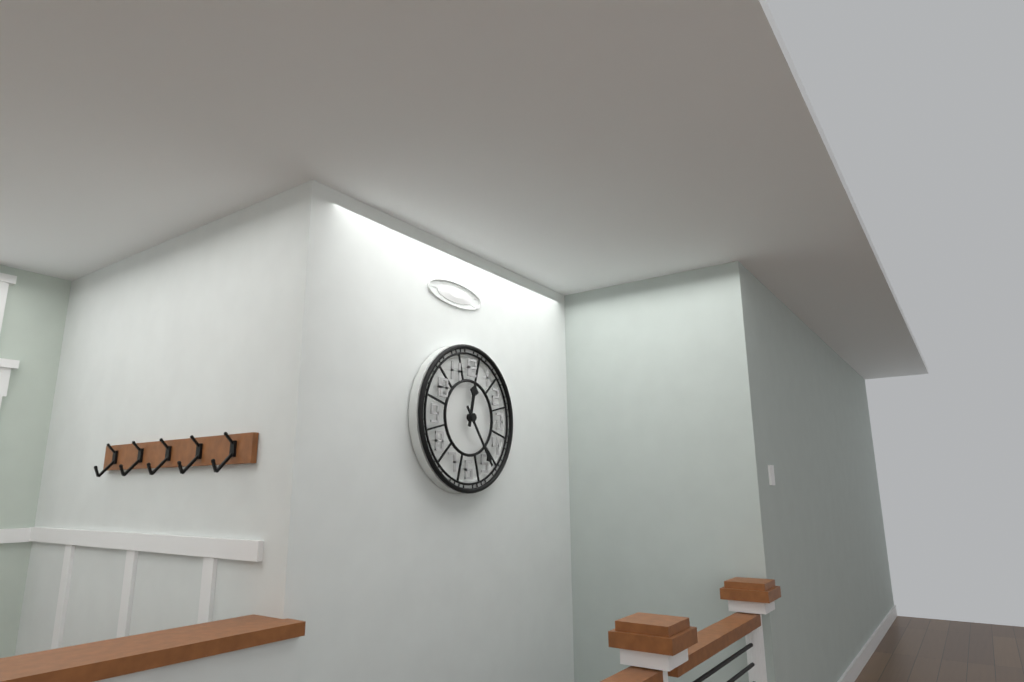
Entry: 12.24
